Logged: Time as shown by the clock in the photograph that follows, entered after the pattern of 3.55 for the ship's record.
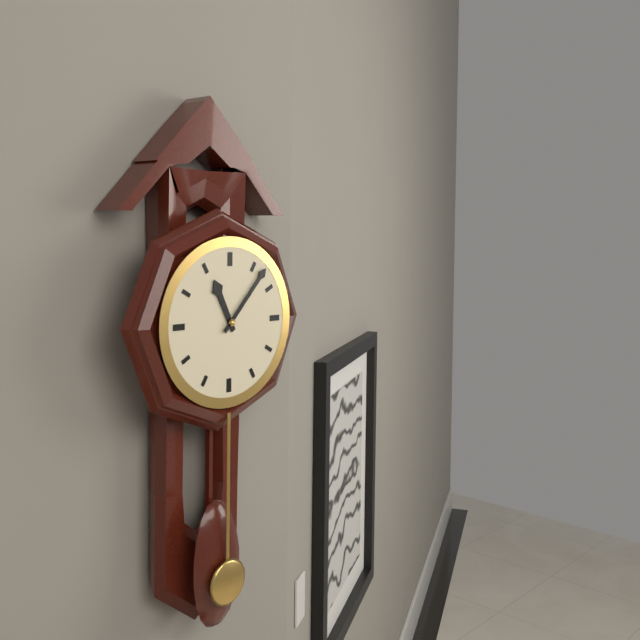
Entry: 11.07
